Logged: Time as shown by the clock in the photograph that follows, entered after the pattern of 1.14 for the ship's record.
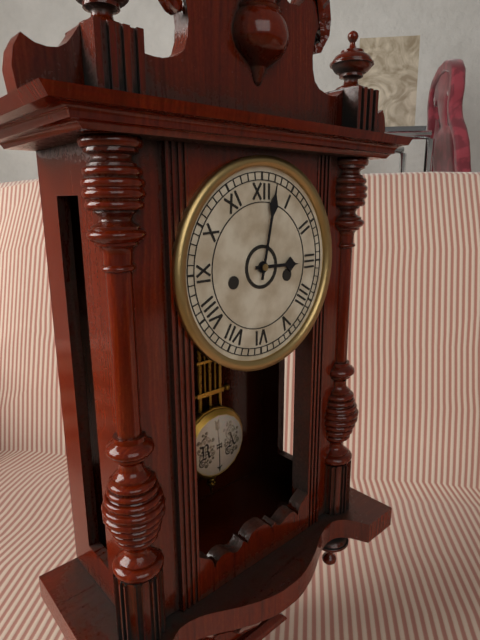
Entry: 3.02
